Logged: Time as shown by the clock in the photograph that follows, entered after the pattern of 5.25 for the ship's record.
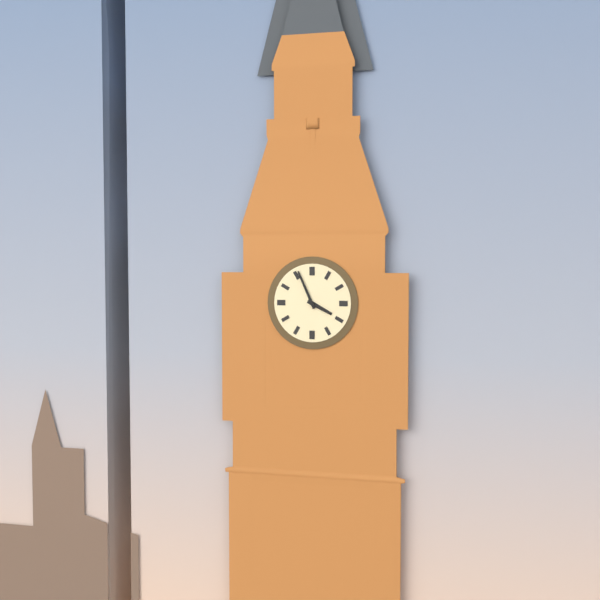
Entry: 3.56
